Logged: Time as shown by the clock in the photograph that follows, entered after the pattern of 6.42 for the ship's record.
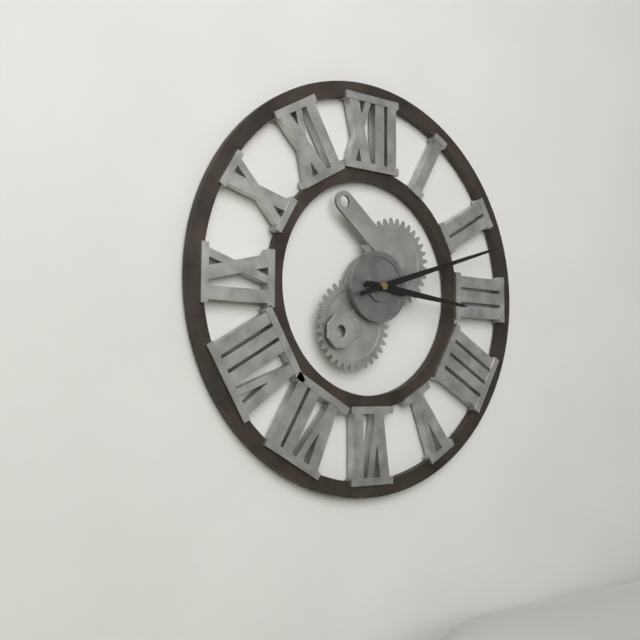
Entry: 3.12
